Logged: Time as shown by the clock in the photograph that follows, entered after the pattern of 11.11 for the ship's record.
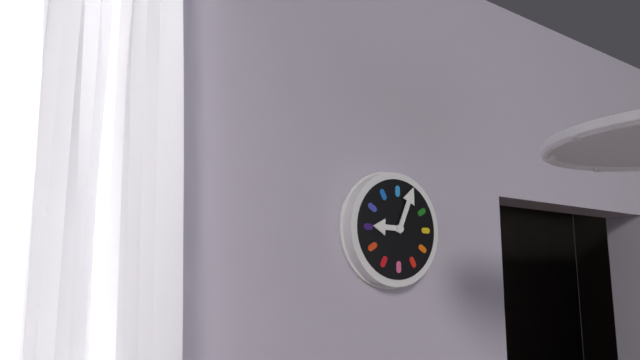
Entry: 9.04
